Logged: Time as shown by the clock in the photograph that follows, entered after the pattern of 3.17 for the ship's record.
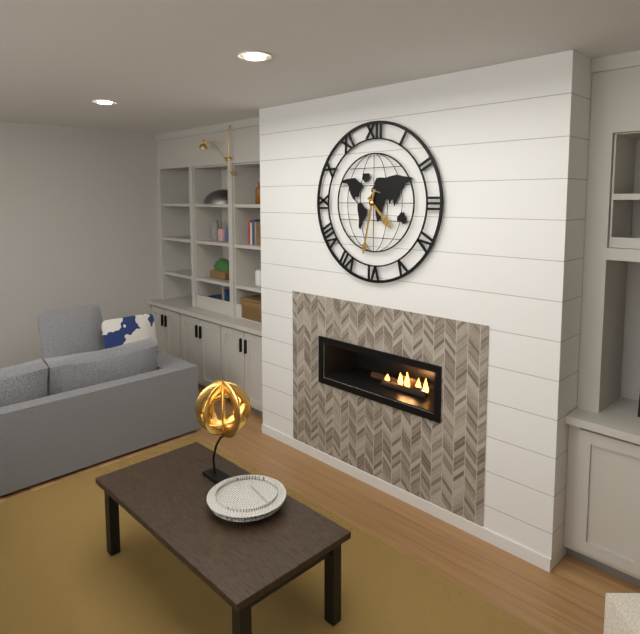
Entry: 4.32
